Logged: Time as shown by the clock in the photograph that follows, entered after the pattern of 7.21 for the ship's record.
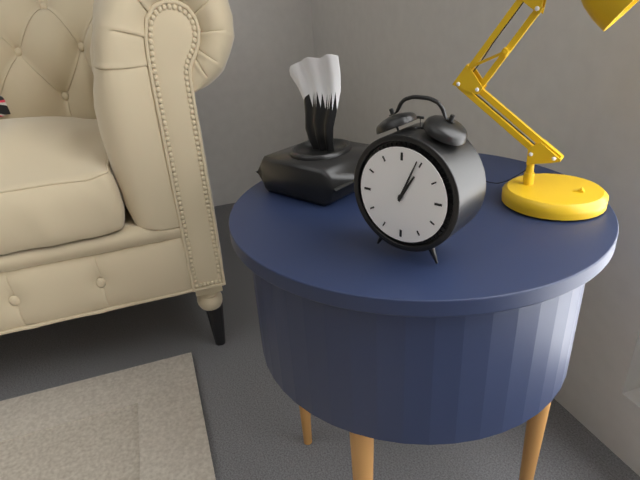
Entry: 1.04
